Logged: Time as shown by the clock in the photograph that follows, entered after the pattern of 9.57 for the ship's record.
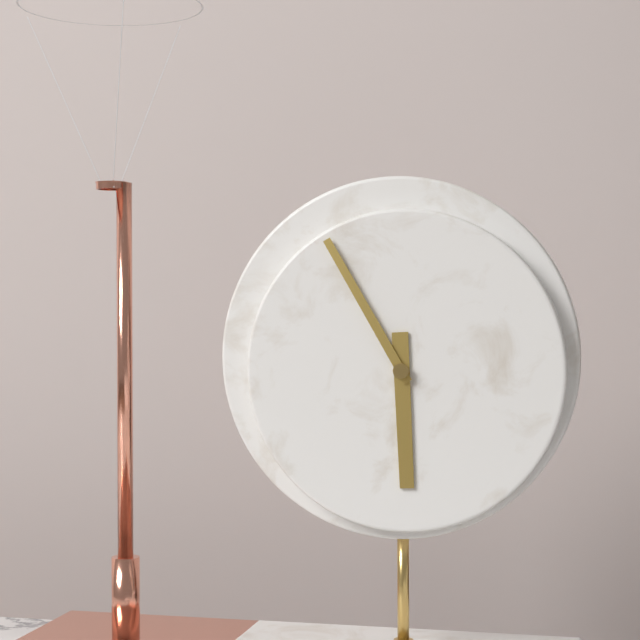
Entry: 5.55
